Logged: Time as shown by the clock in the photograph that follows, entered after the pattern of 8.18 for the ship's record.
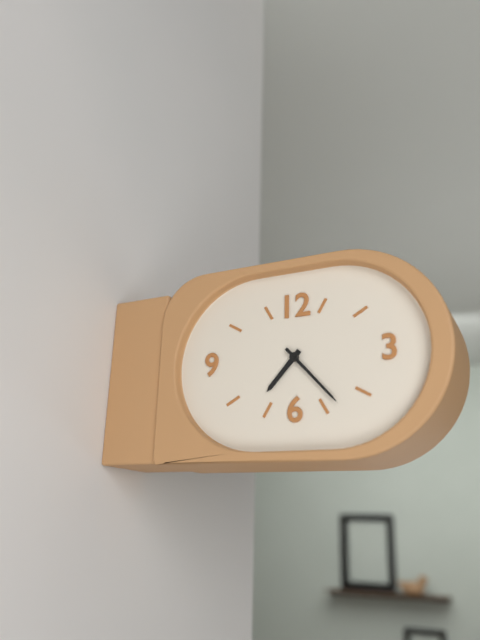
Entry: 7.23
